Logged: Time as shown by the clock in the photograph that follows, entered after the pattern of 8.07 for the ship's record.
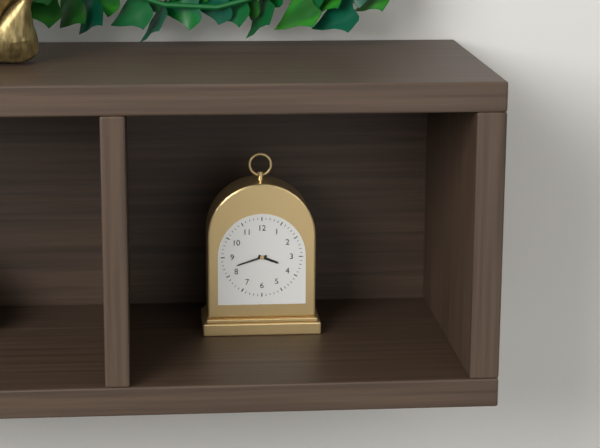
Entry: 3.42
